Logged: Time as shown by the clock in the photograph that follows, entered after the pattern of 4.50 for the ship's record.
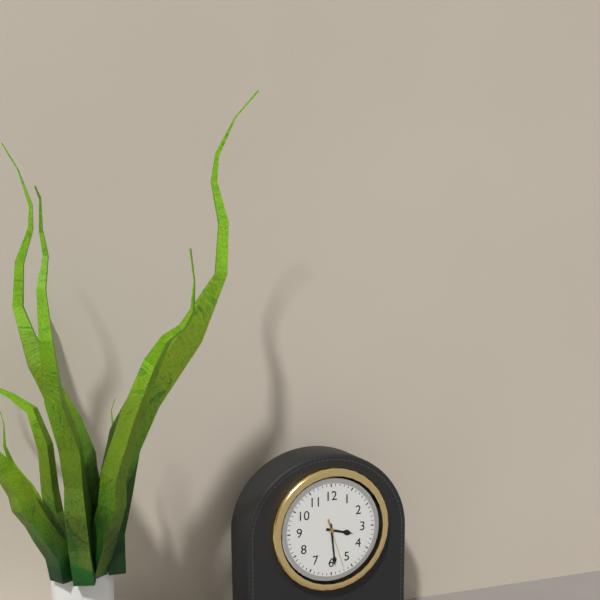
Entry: 3.29
